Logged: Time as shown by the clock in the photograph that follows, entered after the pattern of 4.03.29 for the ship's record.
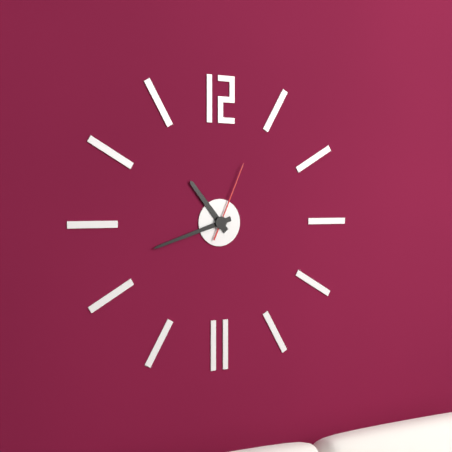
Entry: 10.42.04
